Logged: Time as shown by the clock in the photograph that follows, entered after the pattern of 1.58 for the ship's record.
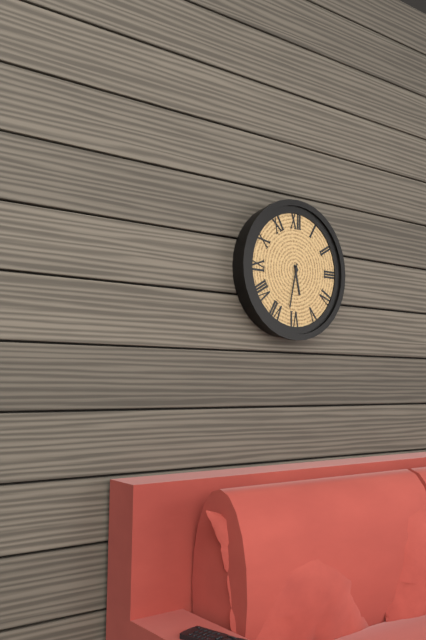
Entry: 5.32
